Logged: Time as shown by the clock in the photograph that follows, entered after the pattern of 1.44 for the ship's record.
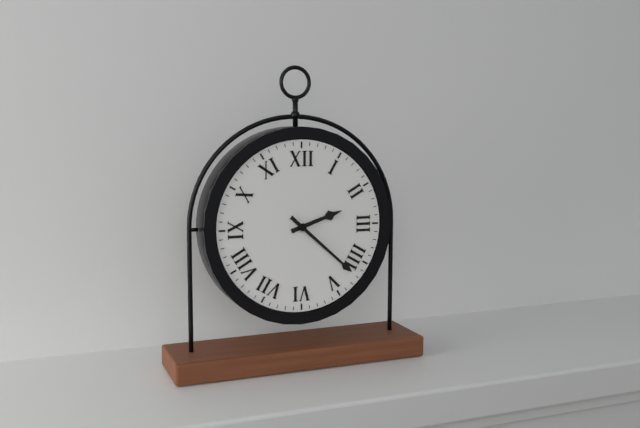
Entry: 2.22
